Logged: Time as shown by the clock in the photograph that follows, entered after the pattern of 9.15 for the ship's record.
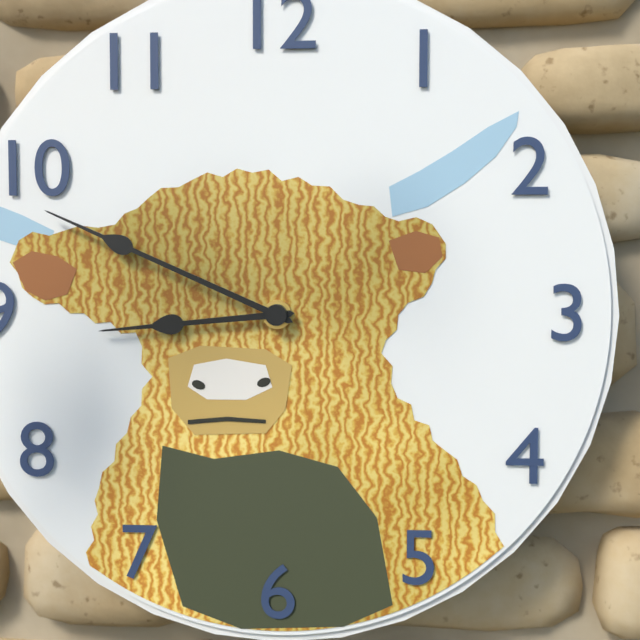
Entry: 8.49
